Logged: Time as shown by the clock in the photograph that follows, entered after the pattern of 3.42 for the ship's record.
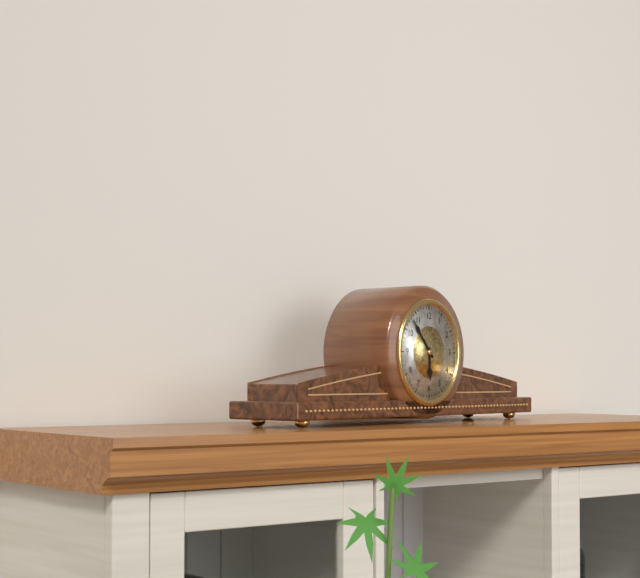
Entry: 5.53
